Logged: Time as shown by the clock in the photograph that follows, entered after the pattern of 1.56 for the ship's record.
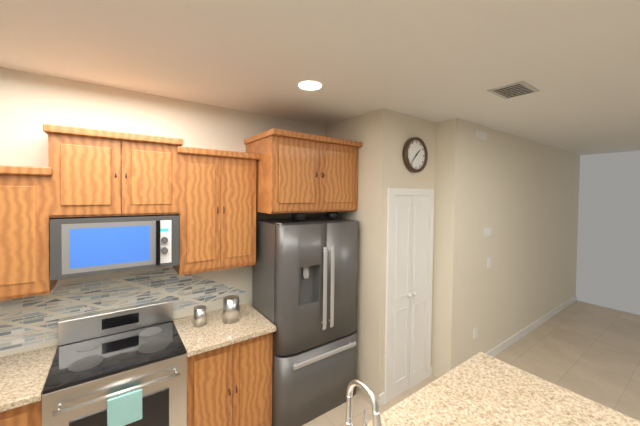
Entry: 1.37
